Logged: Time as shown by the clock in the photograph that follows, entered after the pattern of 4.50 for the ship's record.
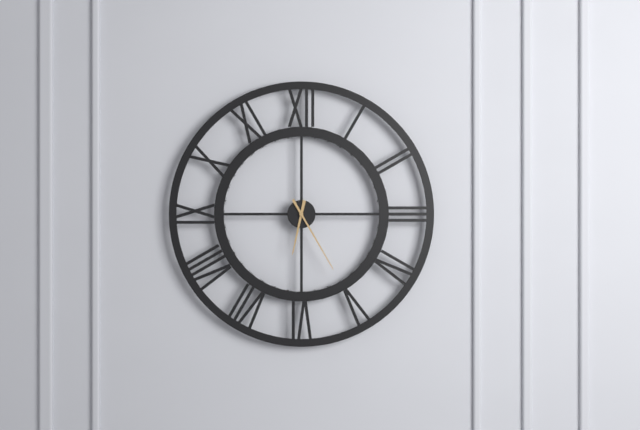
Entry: 6.25
